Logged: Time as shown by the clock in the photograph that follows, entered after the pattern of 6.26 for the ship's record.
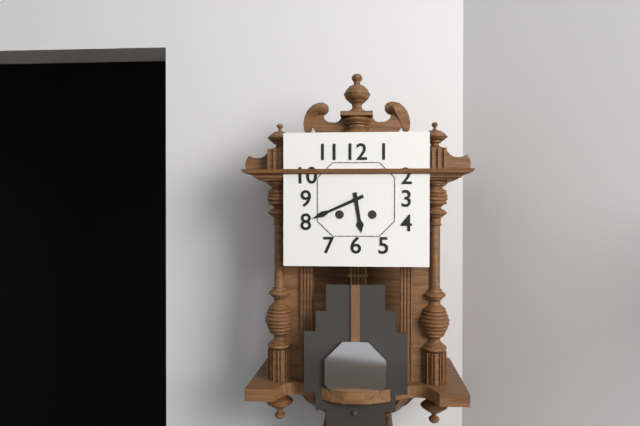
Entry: 5.41
